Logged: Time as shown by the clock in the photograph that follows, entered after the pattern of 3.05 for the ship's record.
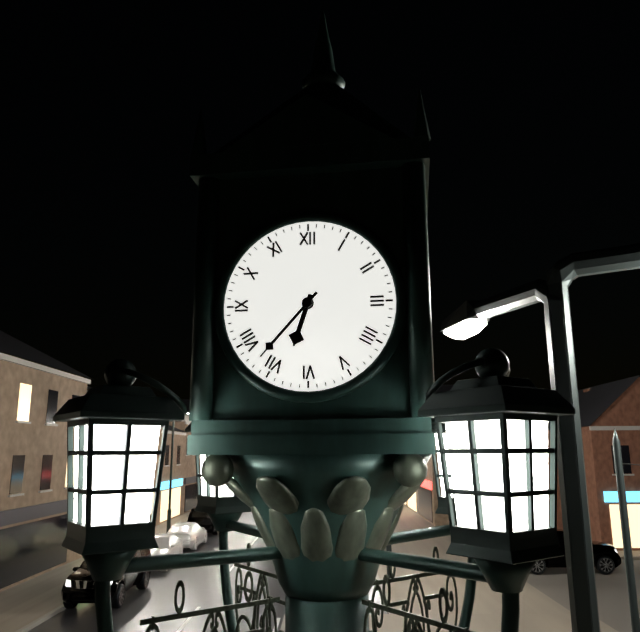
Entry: 6.37
